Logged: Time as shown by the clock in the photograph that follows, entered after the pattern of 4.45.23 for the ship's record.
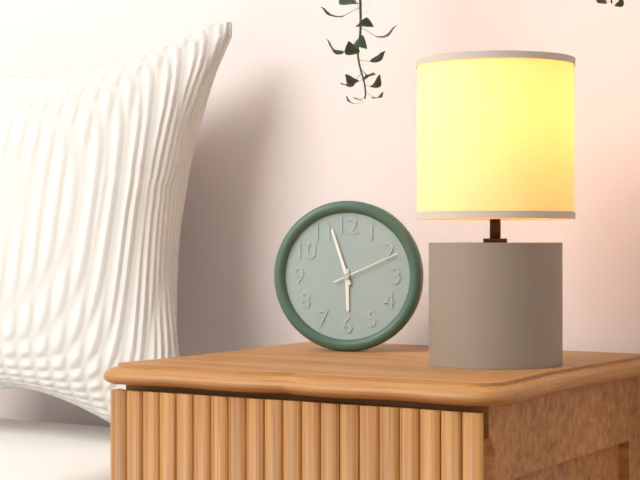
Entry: 5.57.11
